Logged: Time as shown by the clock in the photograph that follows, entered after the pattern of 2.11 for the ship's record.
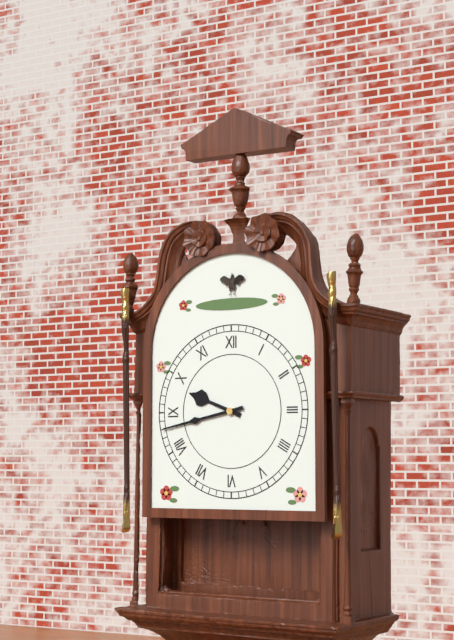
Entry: 9.43
